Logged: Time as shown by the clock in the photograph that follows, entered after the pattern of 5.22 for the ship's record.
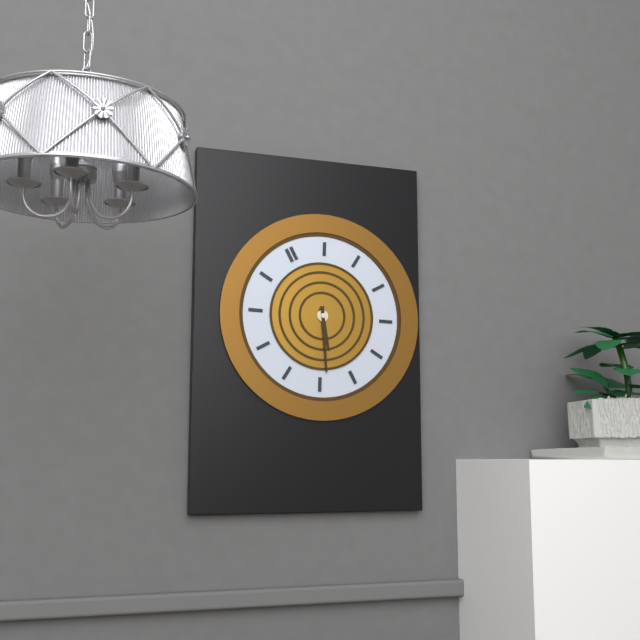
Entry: 6.34
